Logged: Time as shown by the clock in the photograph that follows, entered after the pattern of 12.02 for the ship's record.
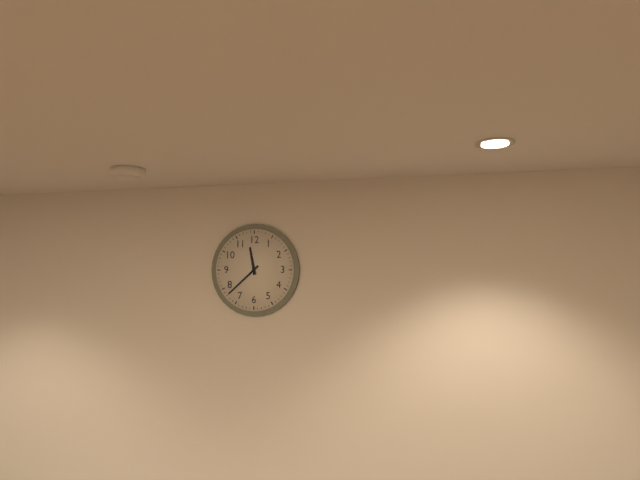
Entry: 11.38
